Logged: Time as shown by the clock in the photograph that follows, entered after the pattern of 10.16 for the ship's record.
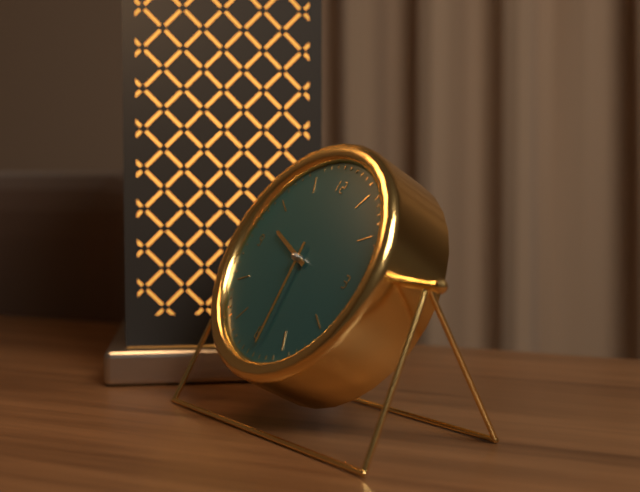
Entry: 9.29
